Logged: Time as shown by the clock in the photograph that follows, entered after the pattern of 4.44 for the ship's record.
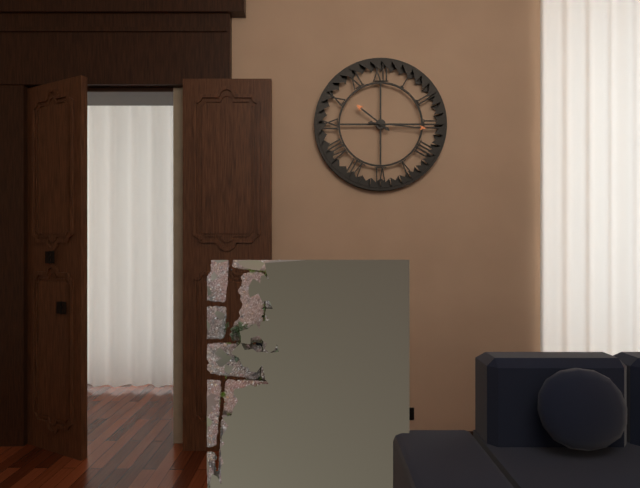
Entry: 10.16
